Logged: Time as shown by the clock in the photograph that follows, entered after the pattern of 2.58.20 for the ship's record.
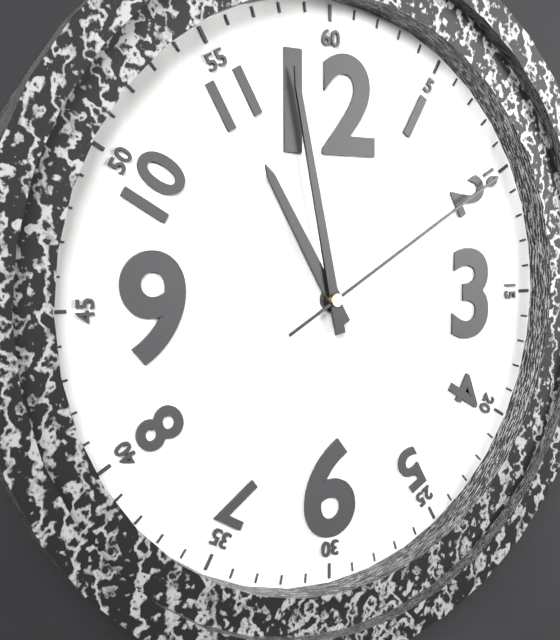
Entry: 10.58.10
